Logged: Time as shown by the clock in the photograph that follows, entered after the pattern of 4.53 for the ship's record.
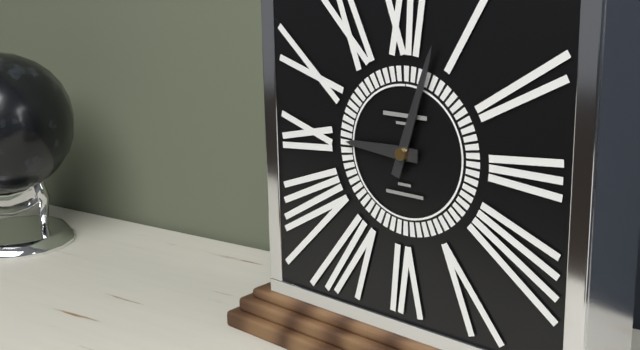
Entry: 9.03
